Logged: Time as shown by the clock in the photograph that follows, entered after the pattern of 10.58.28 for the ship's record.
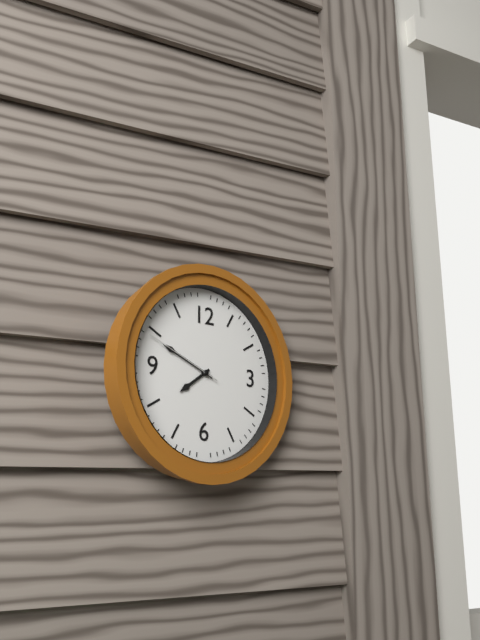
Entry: 7.49.49
